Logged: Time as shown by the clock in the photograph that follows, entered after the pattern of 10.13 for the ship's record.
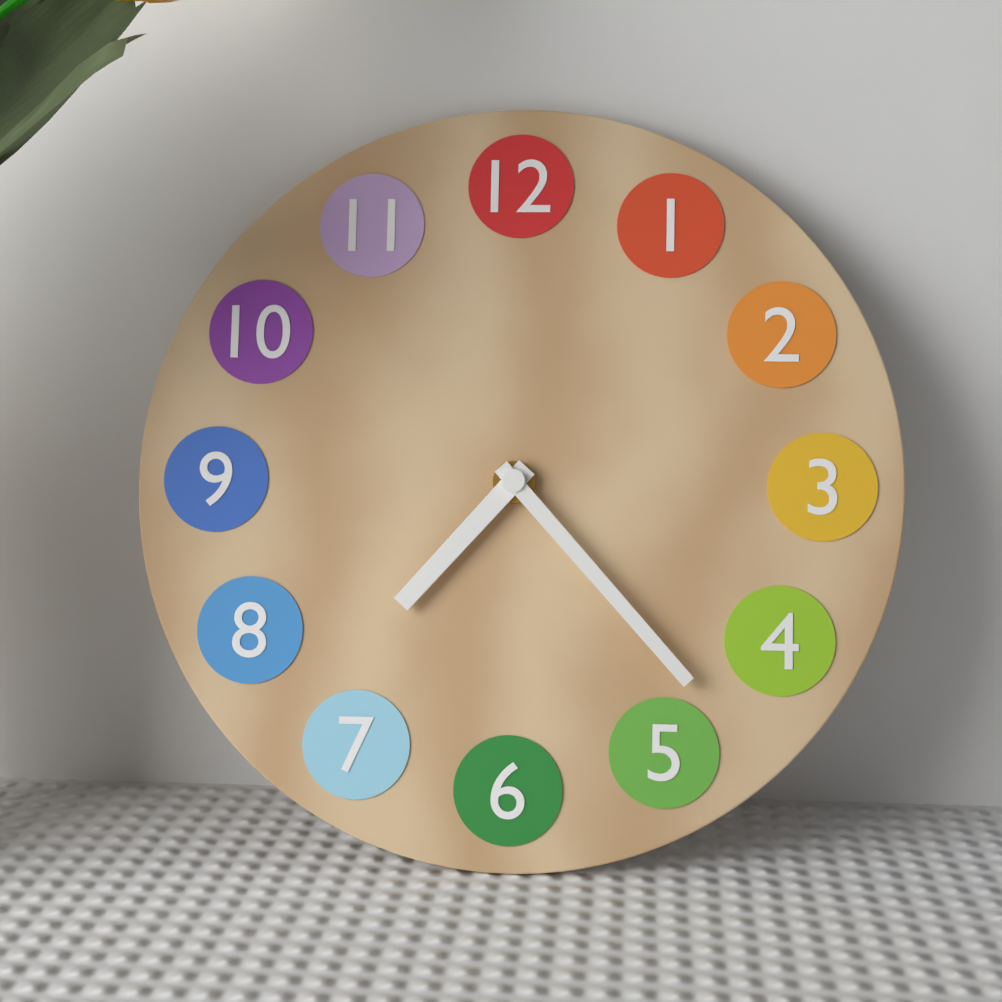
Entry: 7.23
